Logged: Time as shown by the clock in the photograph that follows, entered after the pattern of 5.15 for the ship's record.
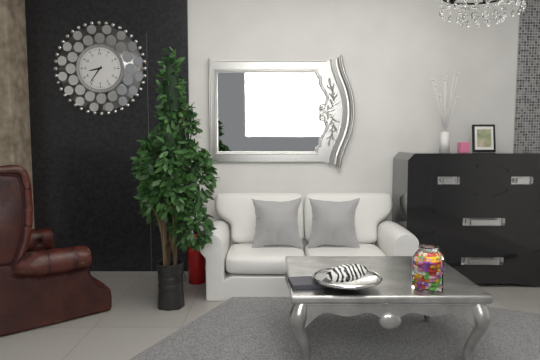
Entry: 8.36
